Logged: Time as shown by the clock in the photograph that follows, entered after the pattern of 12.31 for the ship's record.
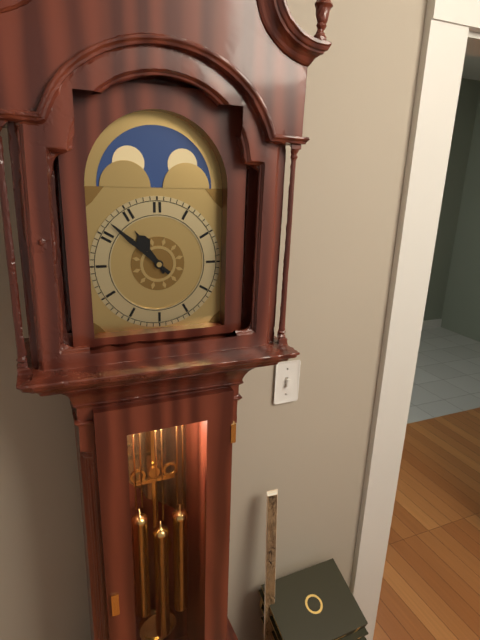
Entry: 10.52
